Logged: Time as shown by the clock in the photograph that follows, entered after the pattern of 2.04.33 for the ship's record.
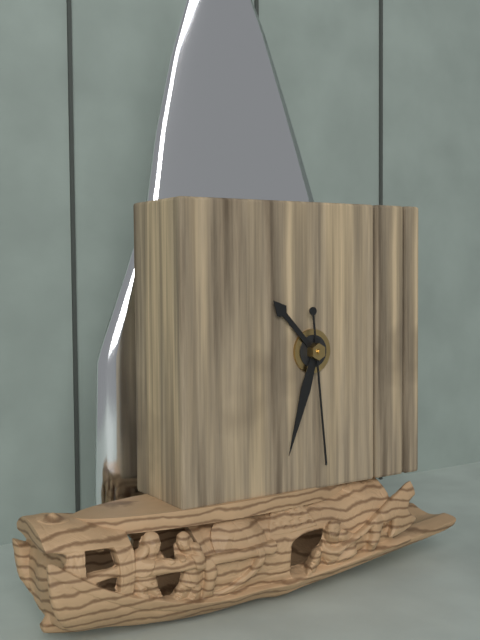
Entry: 10.33.29
